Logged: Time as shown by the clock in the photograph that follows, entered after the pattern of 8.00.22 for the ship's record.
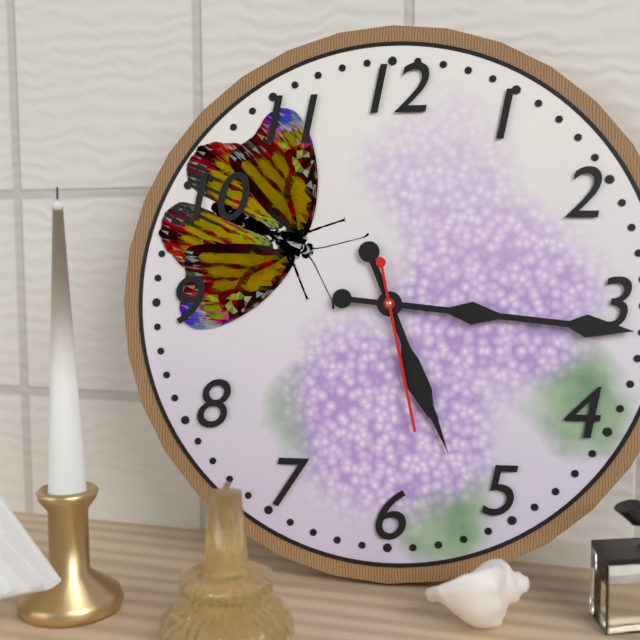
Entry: 5.16.28
